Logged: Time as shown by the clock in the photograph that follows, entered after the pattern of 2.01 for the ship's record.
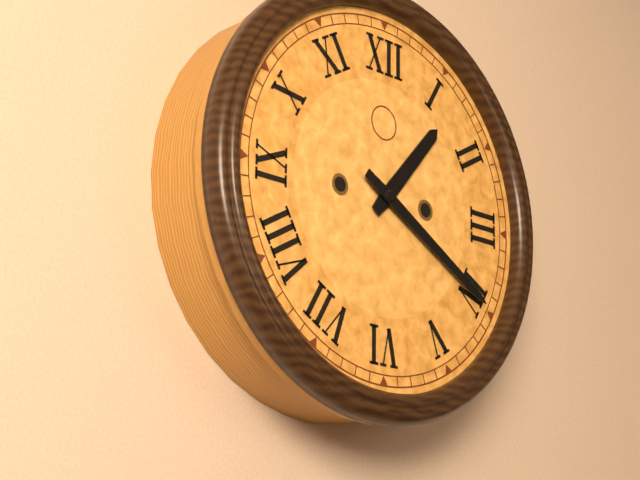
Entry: 1.20
